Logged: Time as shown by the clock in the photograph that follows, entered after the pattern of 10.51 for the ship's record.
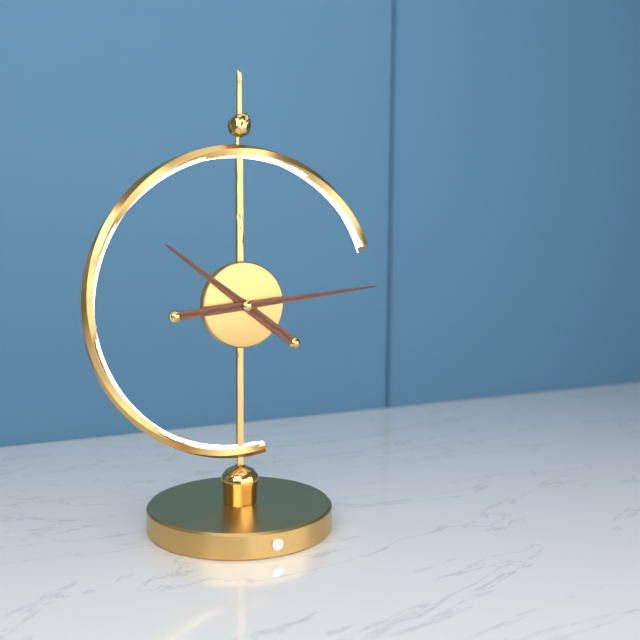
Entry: 10.14
